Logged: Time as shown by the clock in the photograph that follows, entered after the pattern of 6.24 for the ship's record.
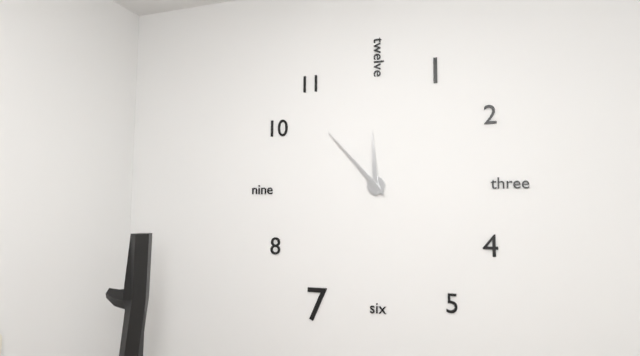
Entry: 11.53
